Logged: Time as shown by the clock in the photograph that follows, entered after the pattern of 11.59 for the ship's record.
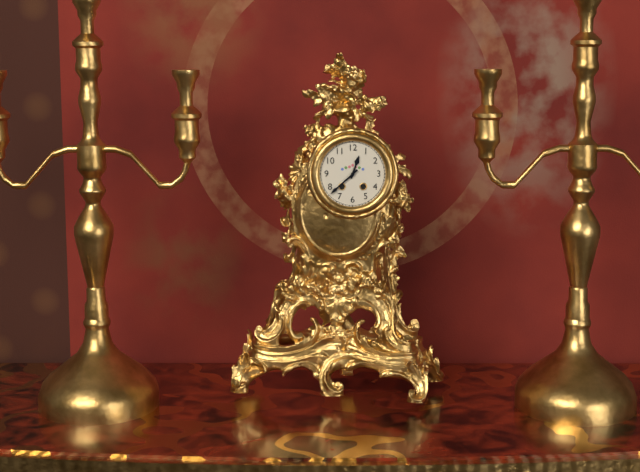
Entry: 12.38
